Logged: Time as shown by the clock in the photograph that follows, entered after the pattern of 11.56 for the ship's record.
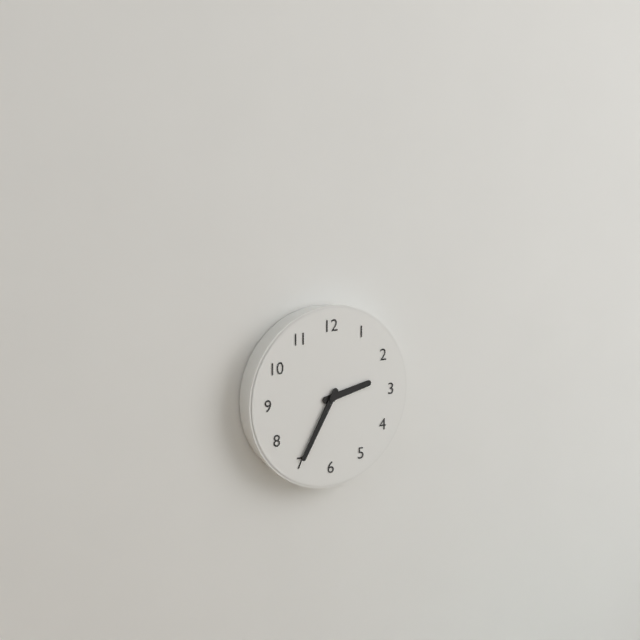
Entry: 2.35
